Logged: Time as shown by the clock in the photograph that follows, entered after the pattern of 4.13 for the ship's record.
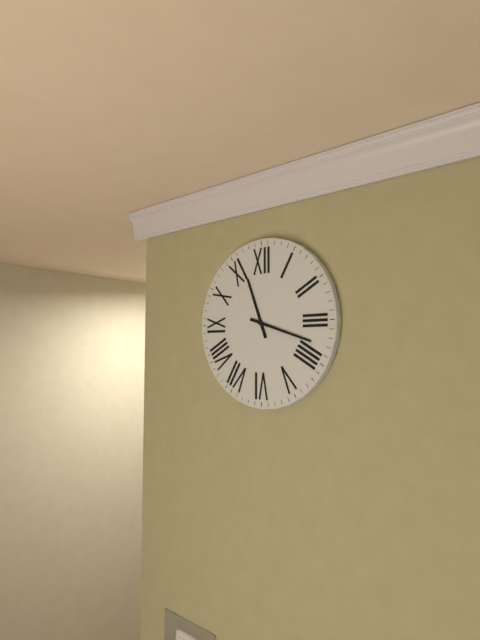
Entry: 11.18
